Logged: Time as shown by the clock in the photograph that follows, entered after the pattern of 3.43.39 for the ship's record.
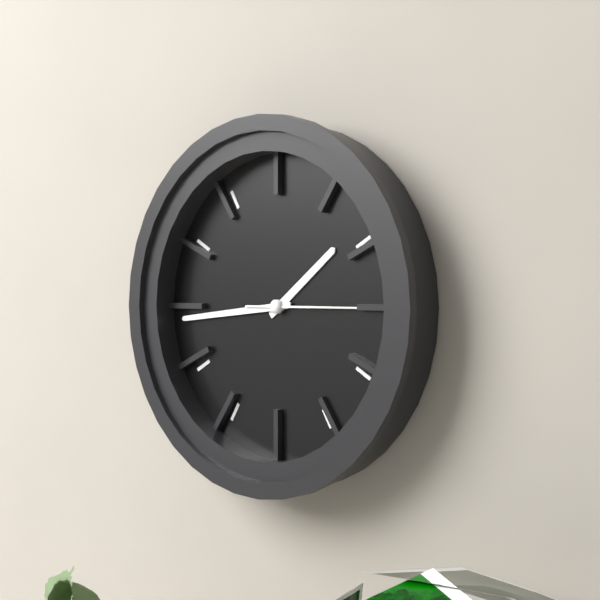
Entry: 1.44.15
